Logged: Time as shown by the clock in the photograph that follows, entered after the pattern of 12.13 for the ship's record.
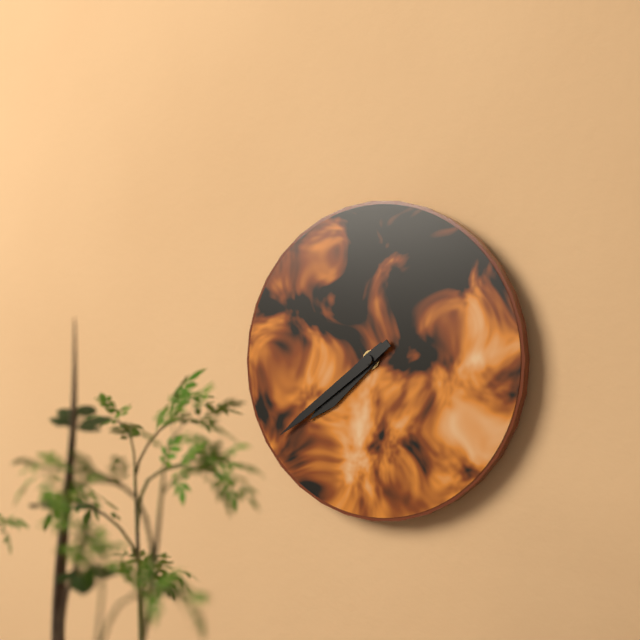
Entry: 7.39
